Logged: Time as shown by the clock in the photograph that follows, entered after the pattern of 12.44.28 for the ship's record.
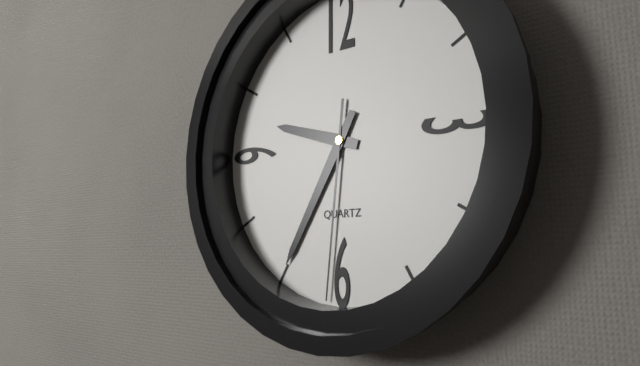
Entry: 9.35.31
